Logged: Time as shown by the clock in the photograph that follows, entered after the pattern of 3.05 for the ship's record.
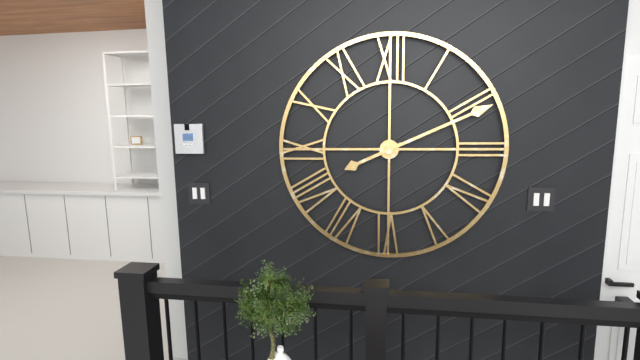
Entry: 8.11
